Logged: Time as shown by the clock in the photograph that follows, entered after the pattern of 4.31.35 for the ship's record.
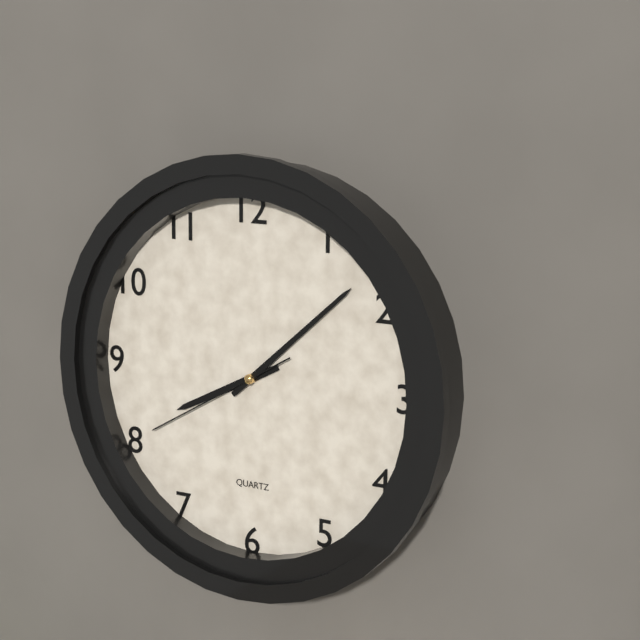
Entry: 8.08.40
